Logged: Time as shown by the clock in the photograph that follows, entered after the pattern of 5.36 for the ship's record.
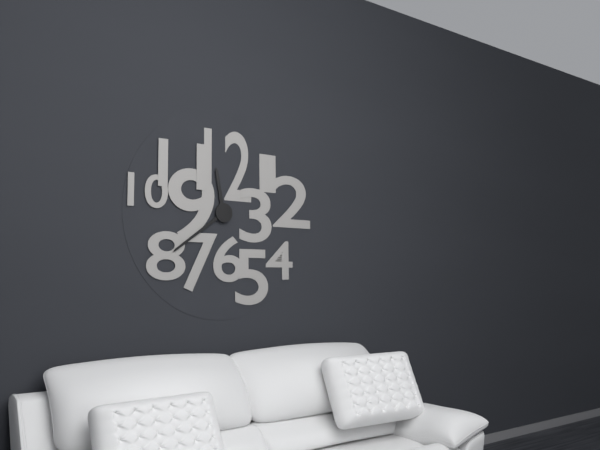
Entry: 11.39
